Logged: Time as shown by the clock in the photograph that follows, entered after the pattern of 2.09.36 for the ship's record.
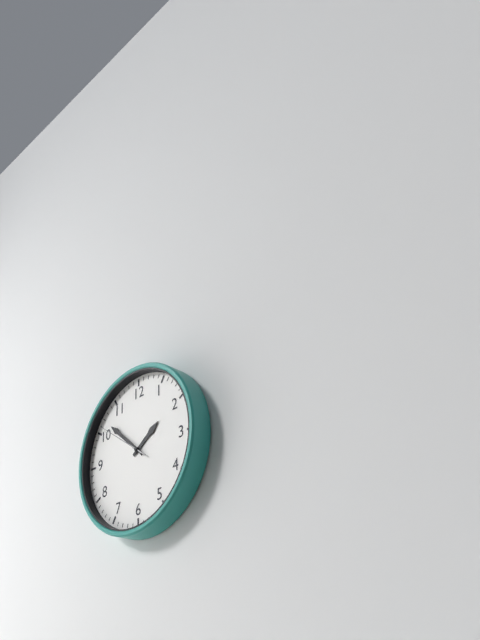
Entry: 1.52.51
